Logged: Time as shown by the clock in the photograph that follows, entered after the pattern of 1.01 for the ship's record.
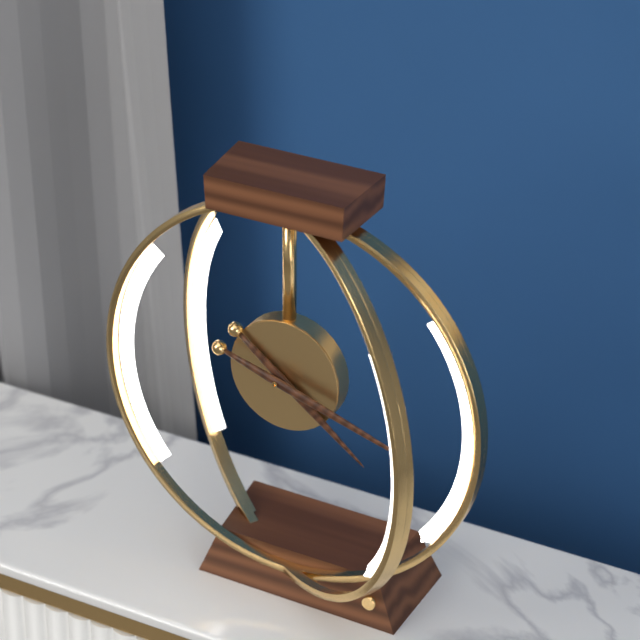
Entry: 4.18
